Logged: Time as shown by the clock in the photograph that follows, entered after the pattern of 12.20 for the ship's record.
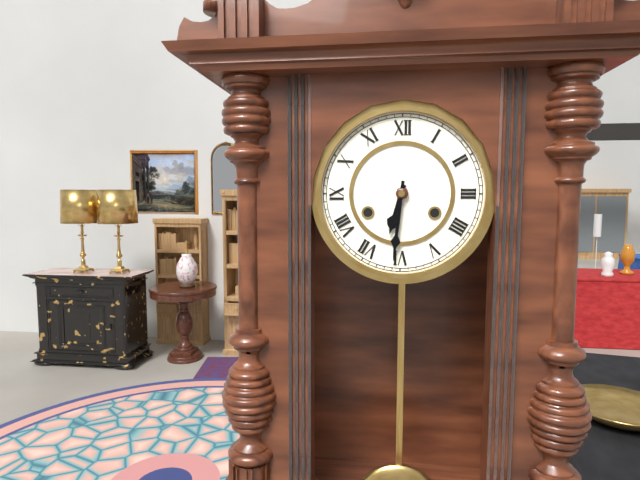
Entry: 6.31
